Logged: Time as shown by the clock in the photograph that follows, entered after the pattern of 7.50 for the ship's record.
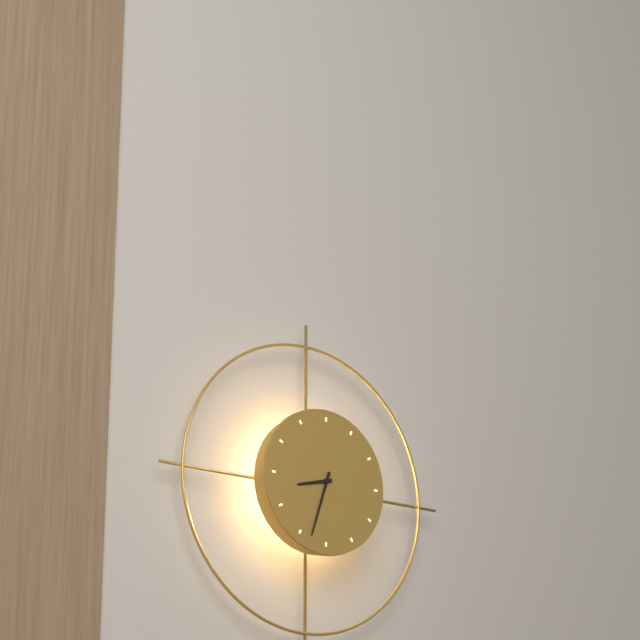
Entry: 8.33
